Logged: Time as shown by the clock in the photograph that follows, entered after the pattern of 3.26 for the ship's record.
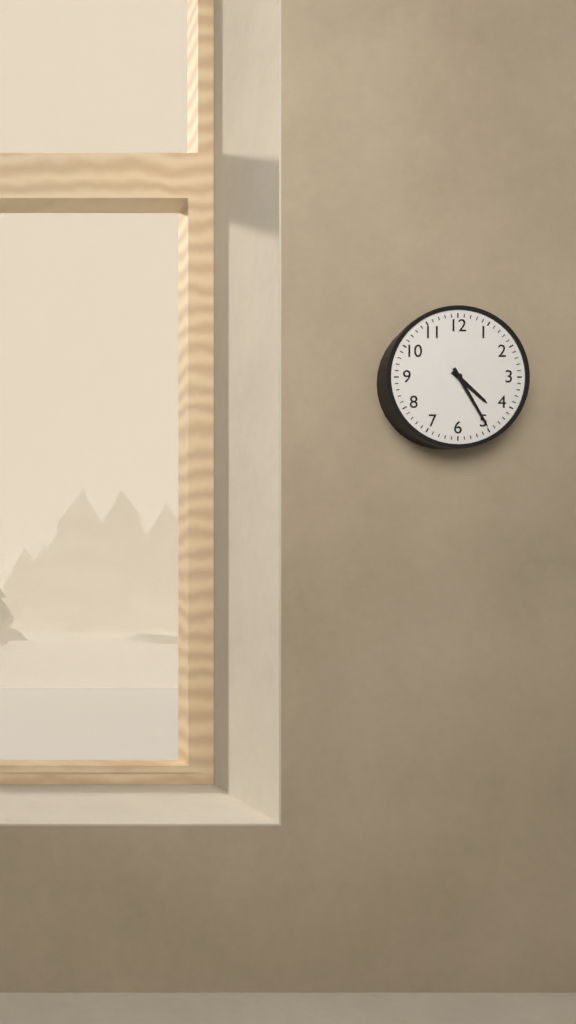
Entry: 4.25
